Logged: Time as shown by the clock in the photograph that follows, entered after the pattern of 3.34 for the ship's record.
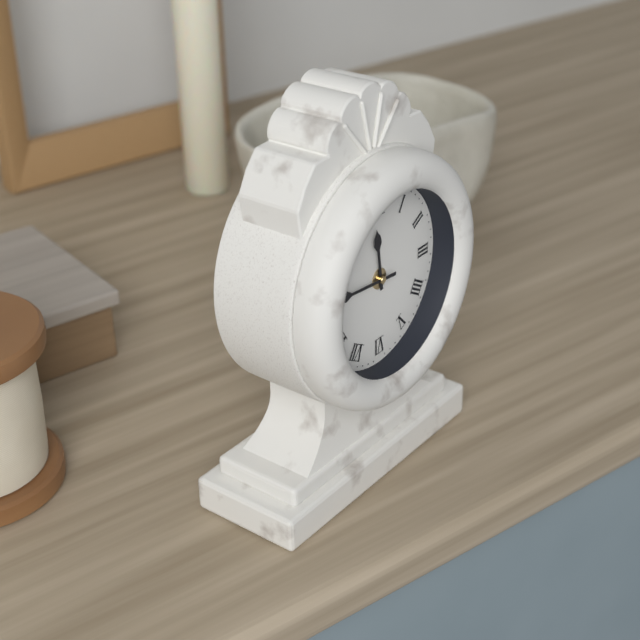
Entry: 11.46
